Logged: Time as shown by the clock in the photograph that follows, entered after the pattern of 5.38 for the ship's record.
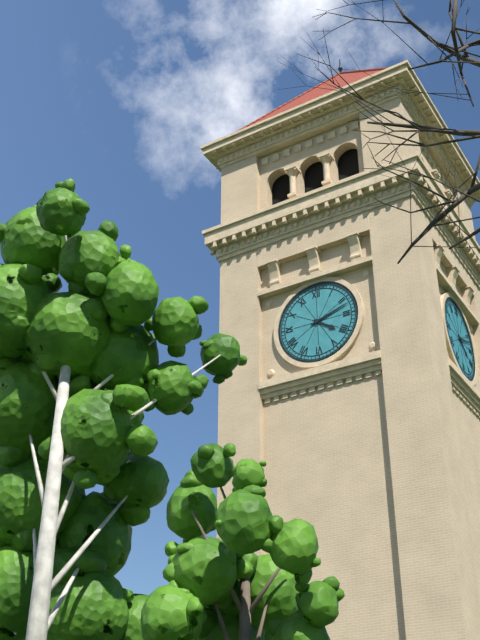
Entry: 4.12
